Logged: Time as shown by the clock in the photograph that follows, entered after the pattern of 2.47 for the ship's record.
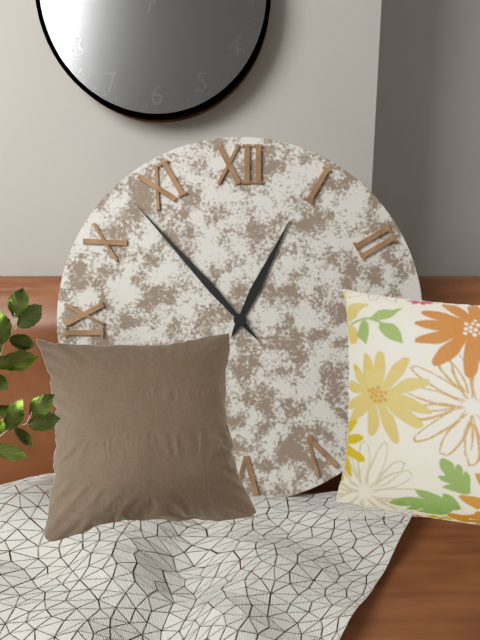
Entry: 12.53
